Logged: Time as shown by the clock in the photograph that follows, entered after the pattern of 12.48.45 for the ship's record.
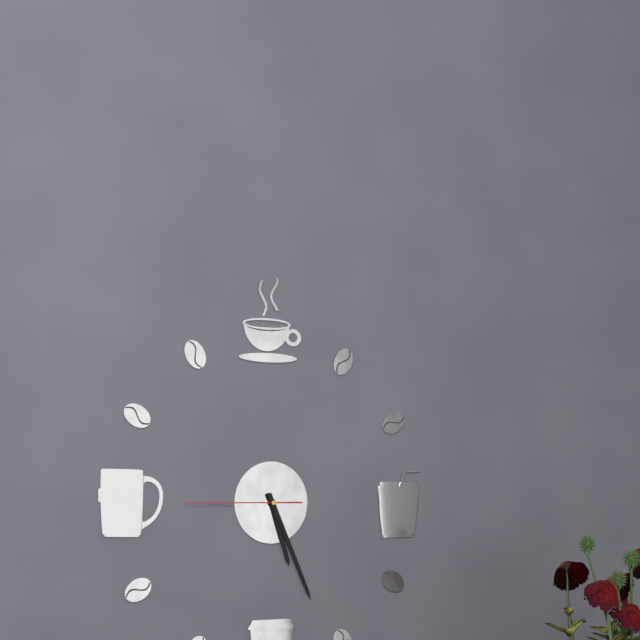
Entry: 5.26.45
